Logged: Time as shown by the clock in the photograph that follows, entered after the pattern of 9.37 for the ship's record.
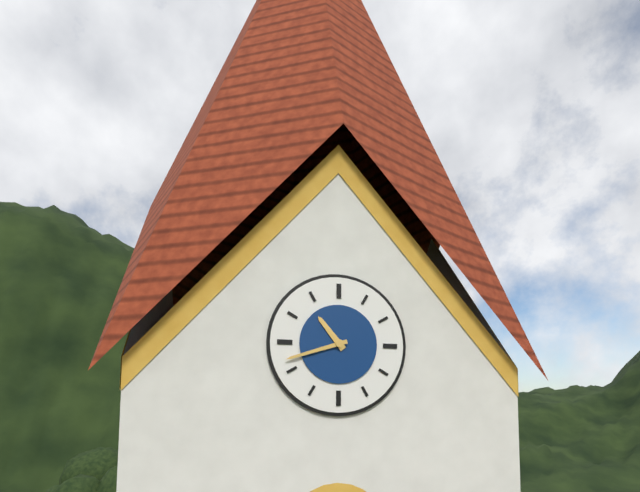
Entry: 10.42
